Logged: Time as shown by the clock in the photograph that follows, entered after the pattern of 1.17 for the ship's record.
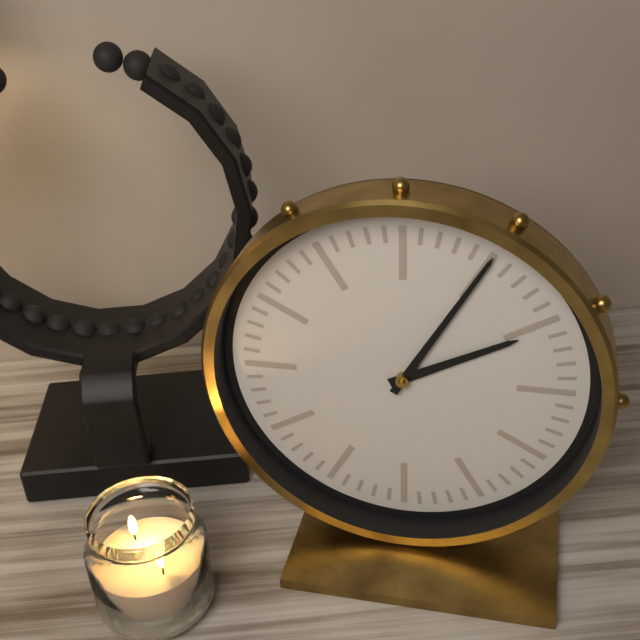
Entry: 2.05
